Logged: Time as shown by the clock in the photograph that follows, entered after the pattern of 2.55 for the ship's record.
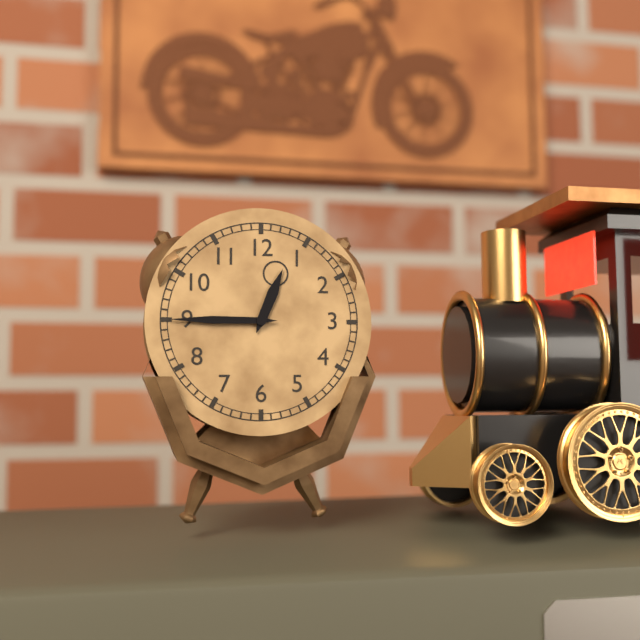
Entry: 12.45
